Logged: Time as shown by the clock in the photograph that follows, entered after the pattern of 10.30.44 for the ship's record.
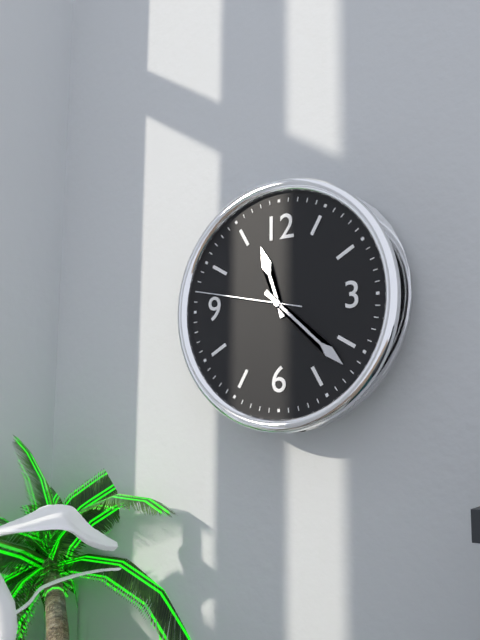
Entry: 11.22.47
